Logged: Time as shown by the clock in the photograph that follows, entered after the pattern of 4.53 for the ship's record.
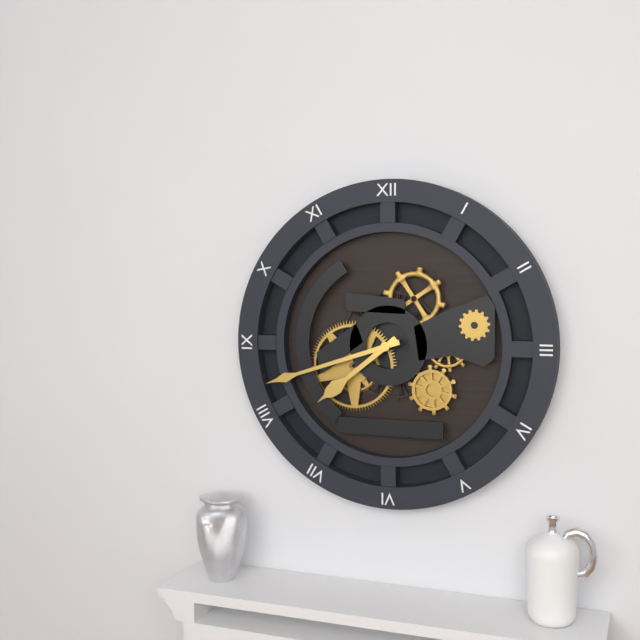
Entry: 7.42
